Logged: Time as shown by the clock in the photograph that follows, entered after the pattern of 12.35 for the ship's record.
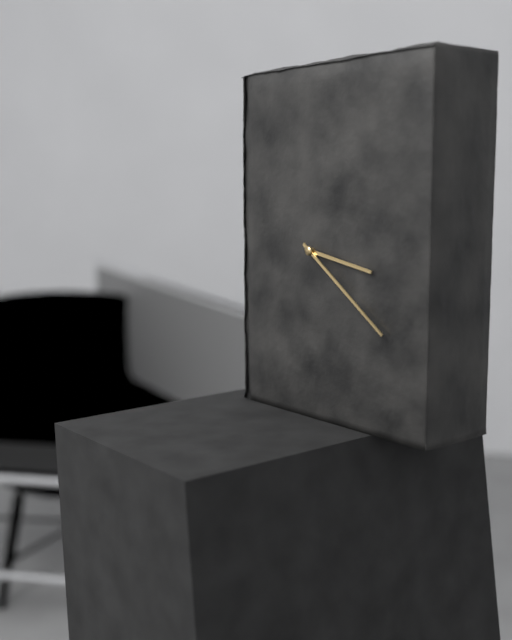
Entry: 3.21
